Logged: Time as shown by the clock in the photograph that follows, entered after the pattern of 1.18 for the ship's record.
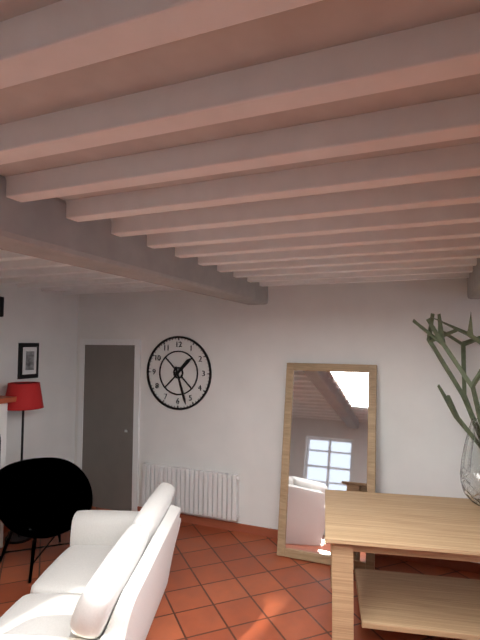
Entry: 1.27
